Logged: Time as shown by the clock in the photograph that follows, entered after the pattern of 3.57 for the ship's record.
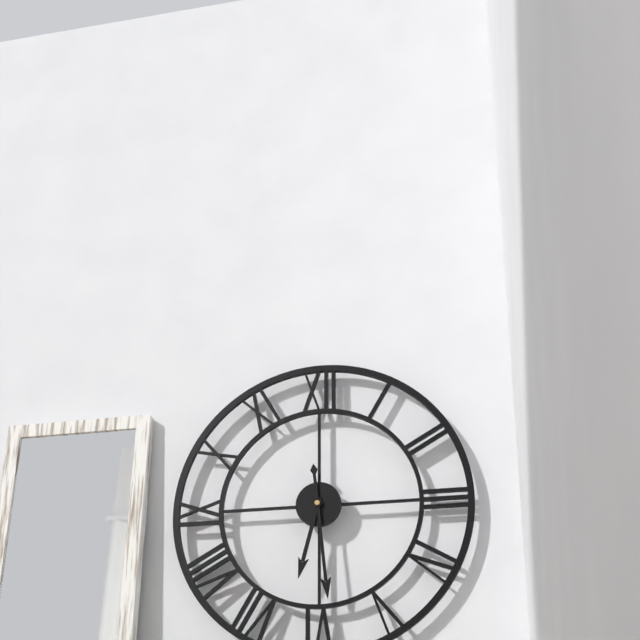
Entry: 6.29
